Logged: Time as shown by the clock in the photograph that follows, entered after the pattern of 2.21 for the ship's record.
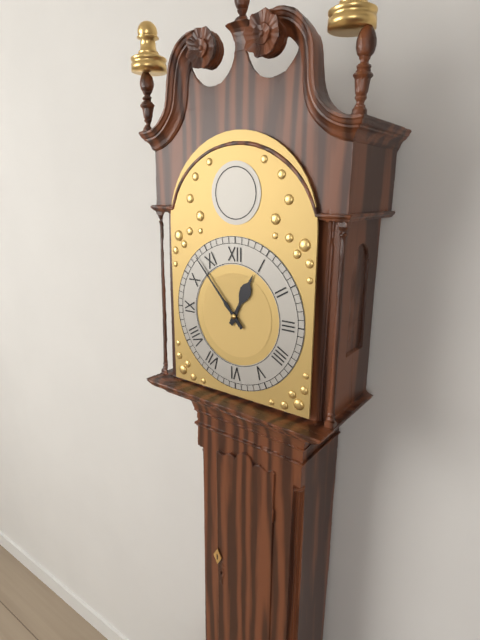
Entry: 12.53
